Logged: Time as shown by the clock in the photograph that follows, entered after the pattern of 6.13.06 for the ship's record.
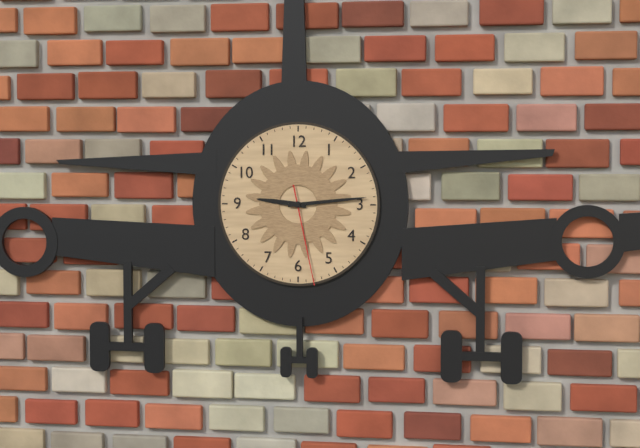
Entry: 9.14.28
